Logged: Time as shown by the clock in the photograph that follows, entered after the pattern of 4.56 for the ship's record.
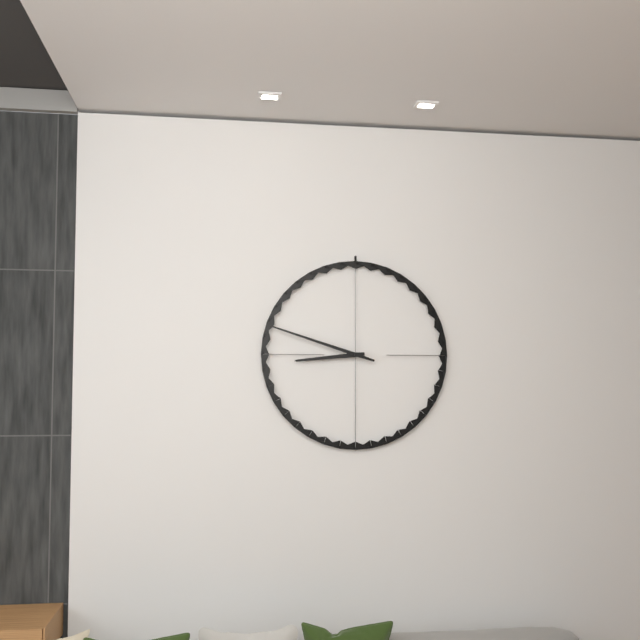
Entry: 8.48
